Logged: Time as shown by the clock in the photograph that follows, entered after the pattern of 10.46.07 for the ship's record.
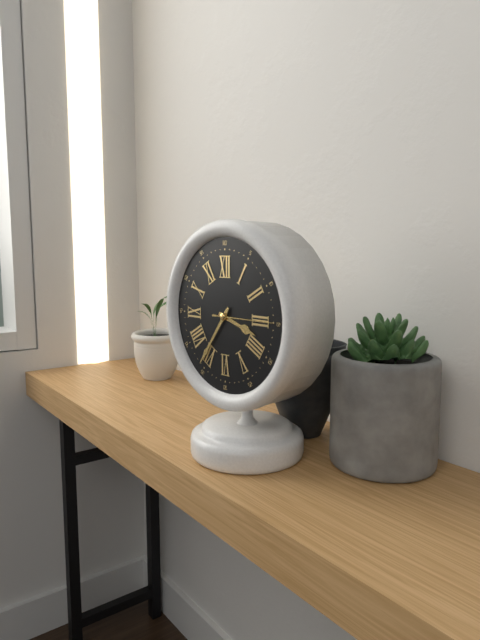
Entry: 3.36.15
